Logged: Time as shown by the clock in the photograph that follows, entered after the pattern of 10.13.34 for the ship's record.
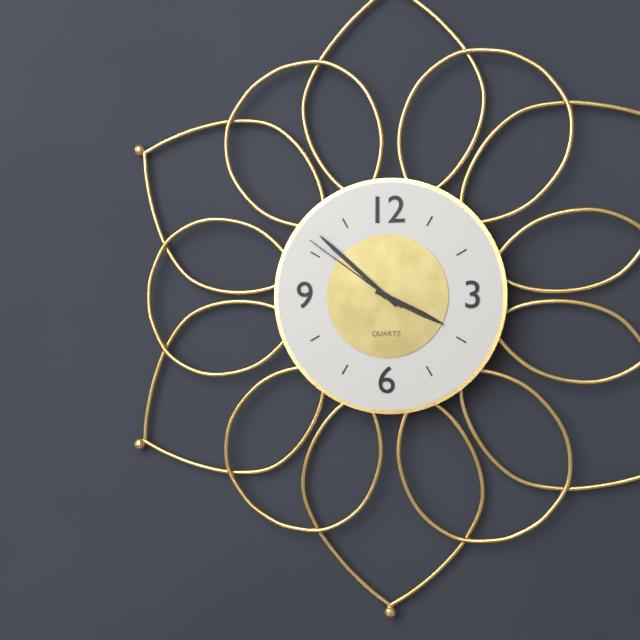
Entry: 3.52.51
